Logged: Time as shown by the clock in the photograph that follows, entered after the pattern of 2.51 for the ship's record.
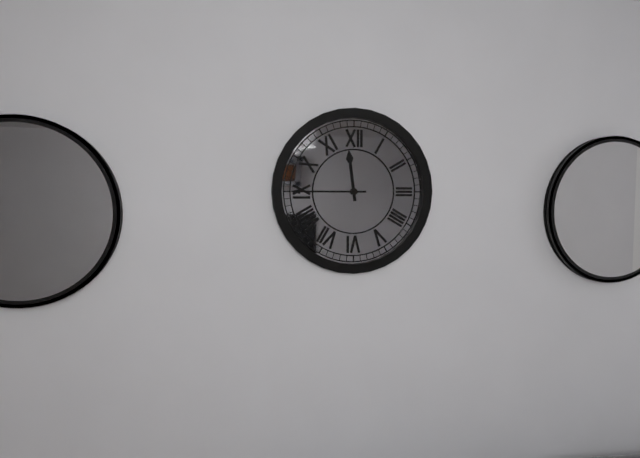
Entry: 11.45
